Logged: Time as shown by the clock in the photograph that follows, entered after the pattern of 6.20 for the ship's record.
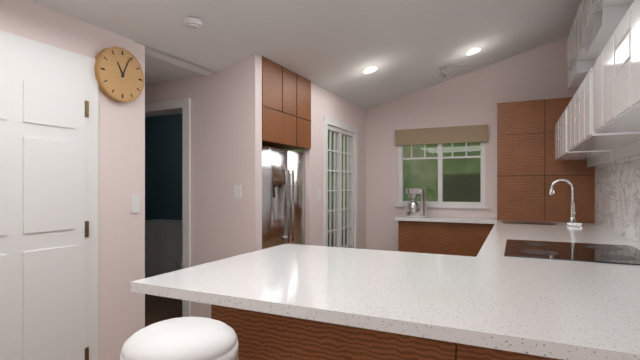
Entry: 11.04
